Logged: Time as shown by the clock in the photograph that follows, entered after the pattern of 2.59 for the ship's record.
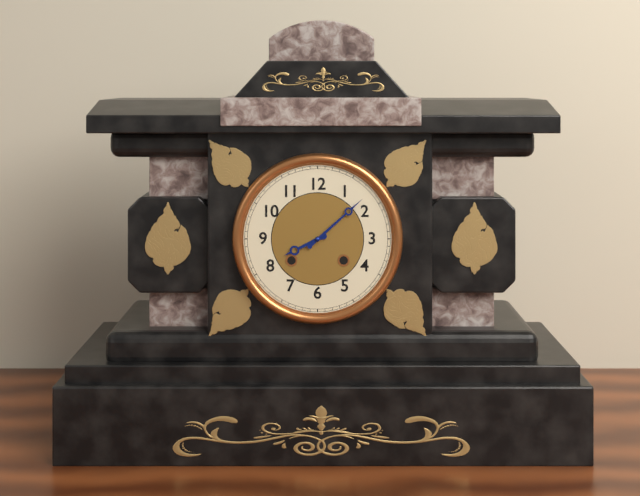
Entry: 8.08
